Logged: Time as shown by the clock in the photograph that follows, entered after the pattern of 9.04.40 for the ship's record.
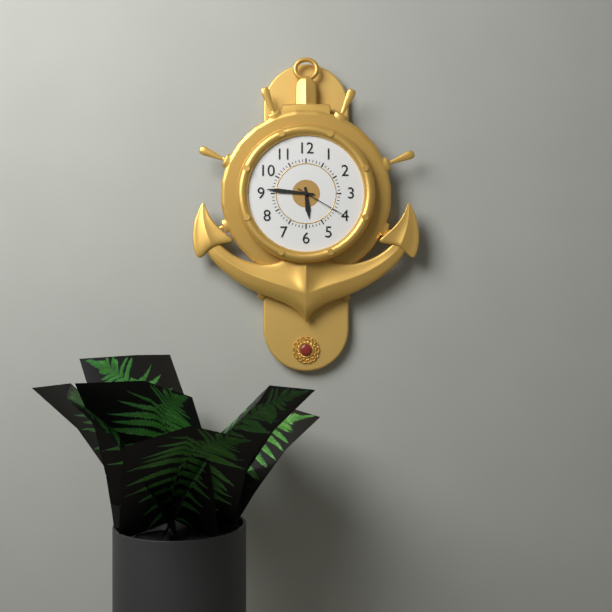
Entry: 5.46.20
